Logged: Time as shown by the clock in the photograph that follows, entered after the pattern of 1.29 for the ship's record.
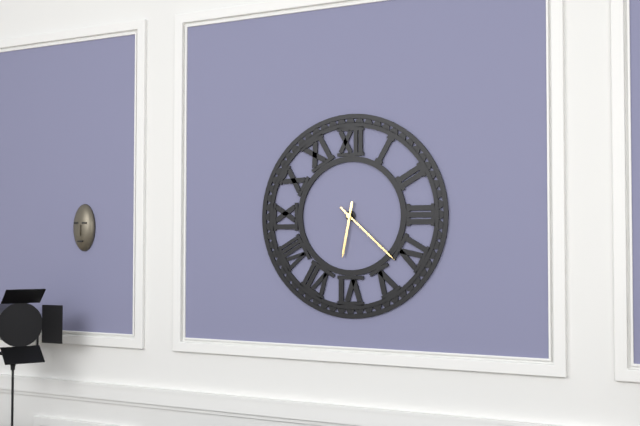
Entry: 6.22
